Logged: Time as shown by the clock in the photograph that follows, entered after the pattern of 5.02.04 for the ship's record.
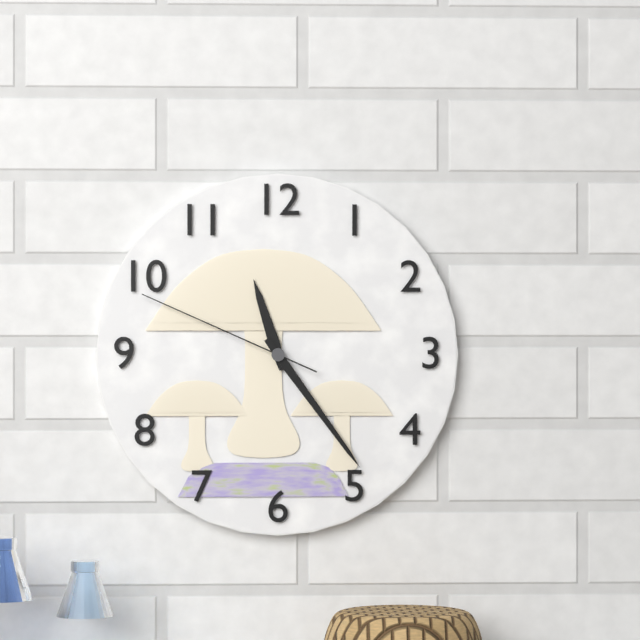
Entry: 11.24.49
